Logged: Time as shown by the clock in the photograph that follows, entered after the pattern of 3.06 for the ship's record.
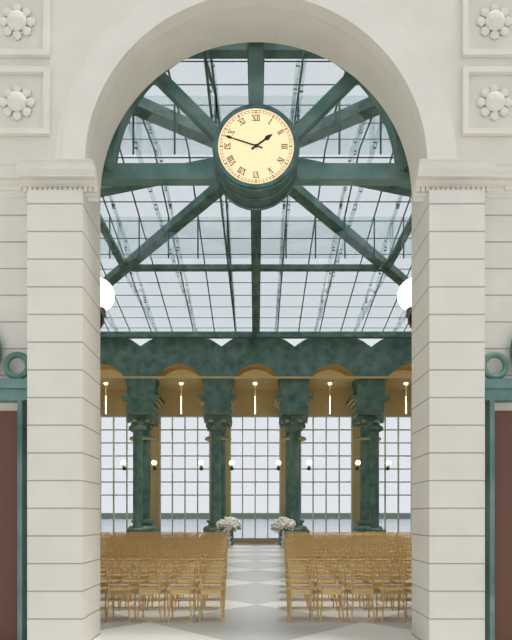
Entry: 1.48
